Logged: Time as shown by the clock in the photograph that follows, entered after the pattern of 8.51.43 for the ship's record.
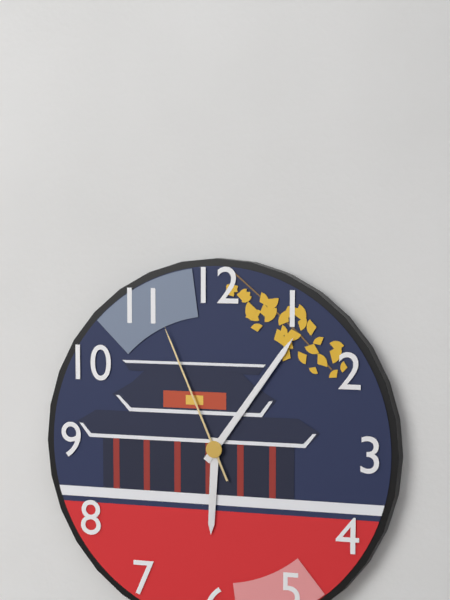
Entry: 6.06.56
